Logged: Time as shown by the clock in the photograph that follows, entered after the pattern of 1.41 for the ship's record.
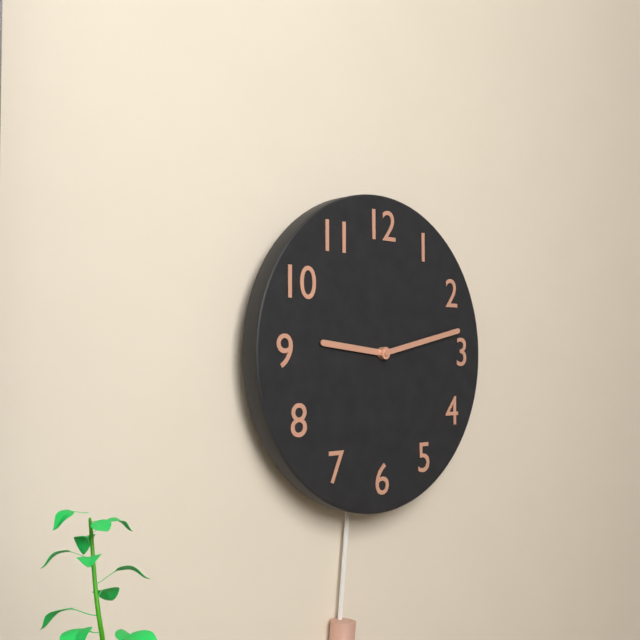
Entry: 9.13
